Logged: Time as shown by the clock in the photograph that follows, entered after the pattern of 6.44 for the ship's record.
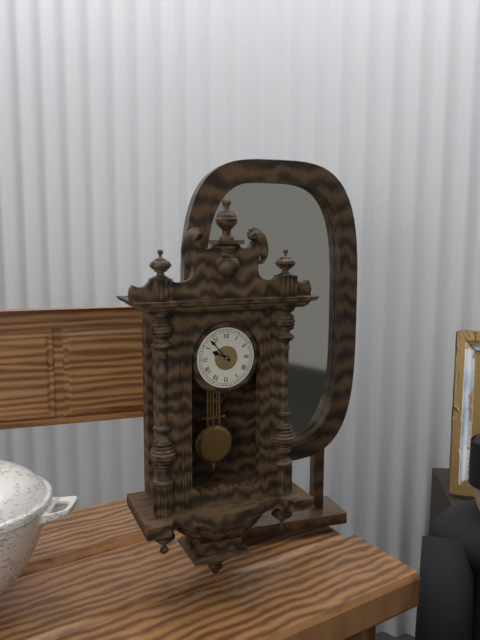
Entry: 9.53
